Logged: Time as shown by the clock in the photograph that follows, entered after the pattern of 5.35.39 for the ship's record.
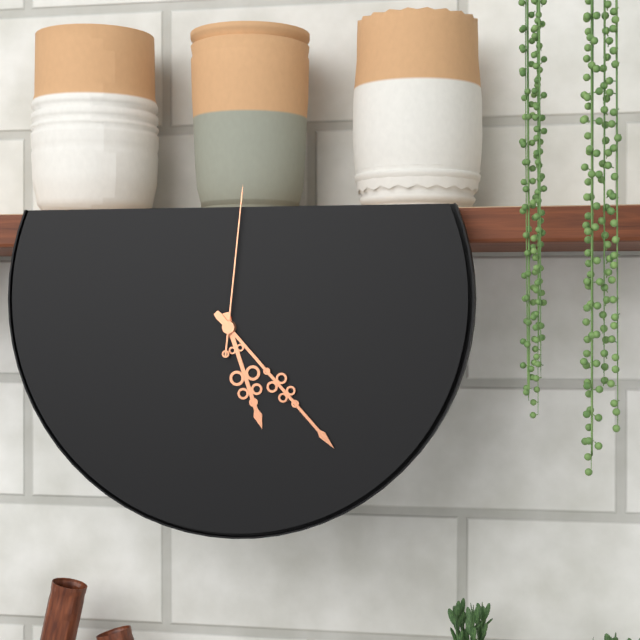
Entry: 5.23.01
